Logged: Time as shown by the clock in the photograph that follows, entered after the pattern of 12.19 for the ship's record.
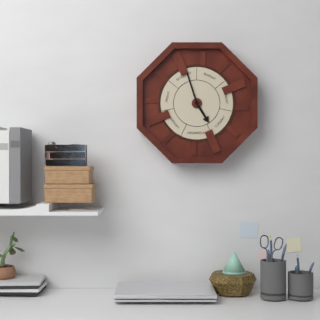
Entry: 4.57
